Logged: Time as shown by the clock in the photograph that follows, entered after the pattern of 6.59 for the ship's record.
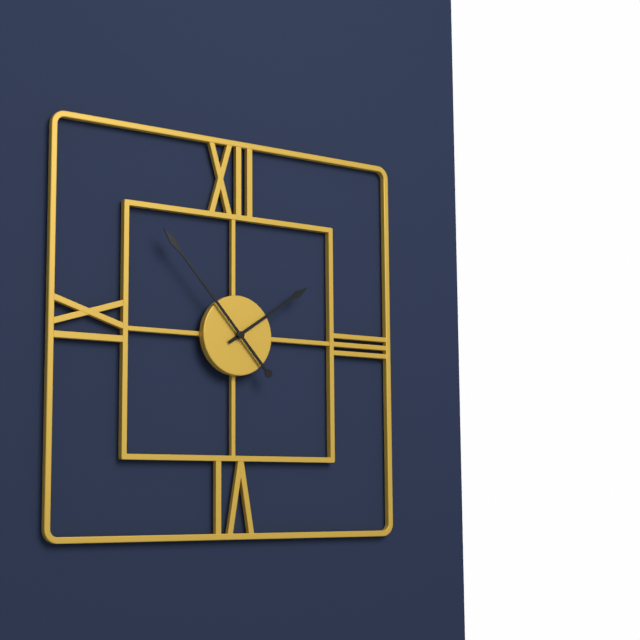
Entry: 1.53
